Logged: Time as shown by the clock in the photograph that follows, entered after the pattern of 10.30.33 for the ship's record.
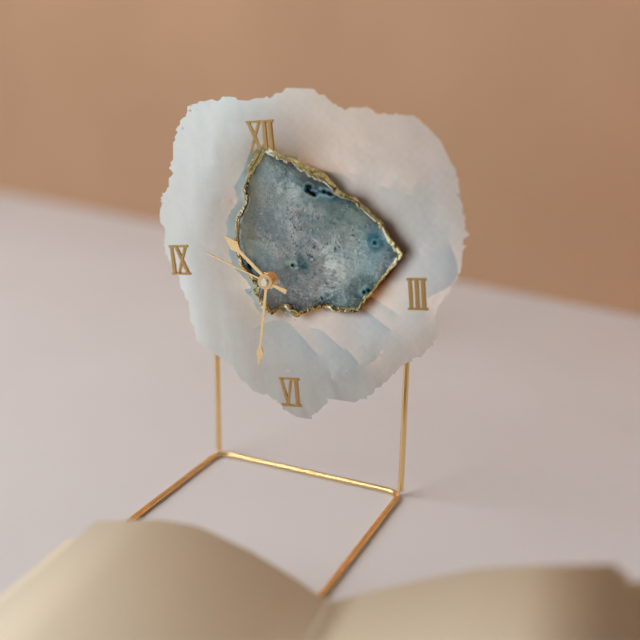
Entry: 10.32.49
